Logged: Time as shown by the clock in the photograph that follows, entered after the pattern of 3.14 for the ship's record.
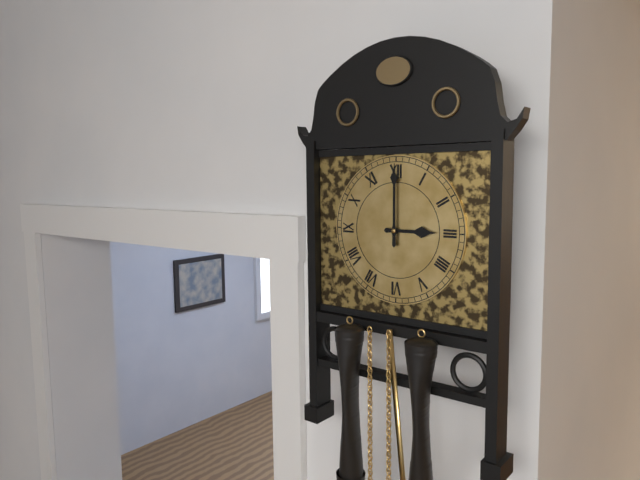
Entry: 3.00
